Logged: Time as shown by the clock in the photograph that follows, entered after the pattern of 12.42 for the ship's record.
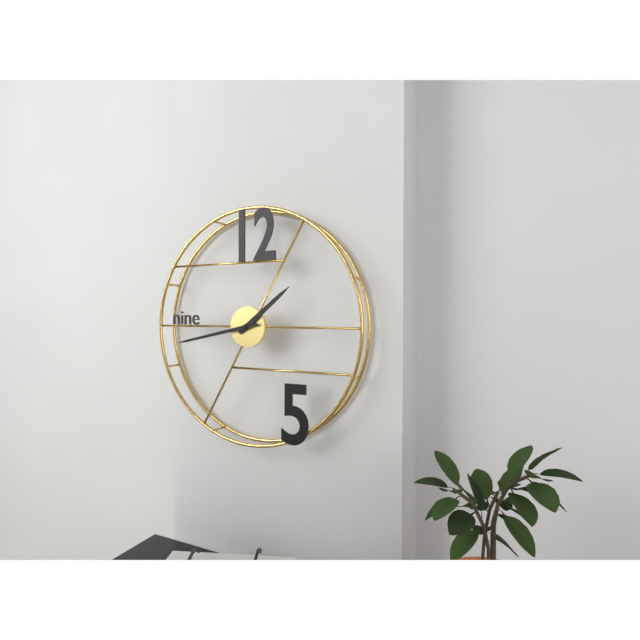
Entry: 1.43
